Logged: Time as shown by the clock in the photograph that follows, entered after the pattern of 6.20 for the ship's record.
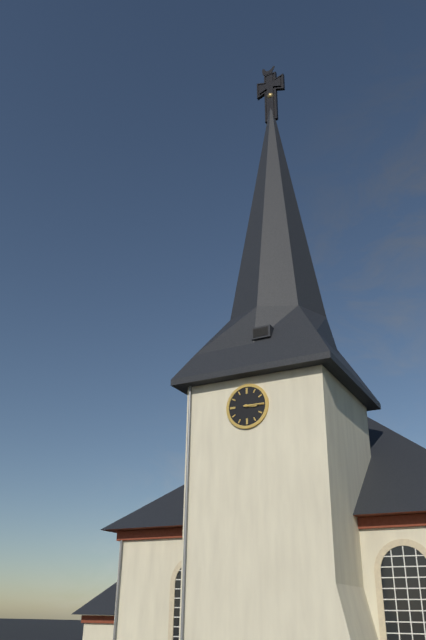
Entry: 3.15
